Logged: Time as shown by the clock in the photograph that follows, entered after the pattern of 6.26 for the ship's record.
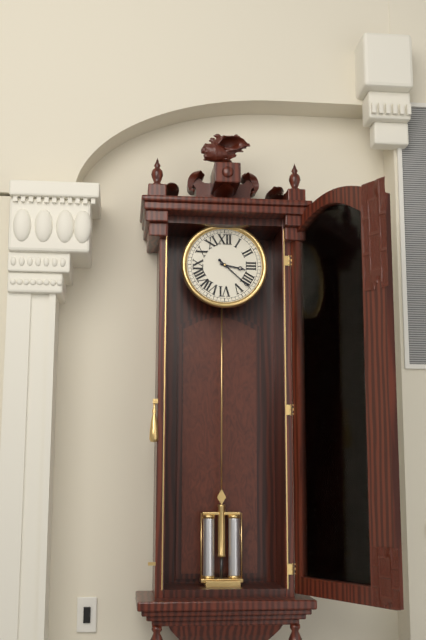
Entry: 3.22
